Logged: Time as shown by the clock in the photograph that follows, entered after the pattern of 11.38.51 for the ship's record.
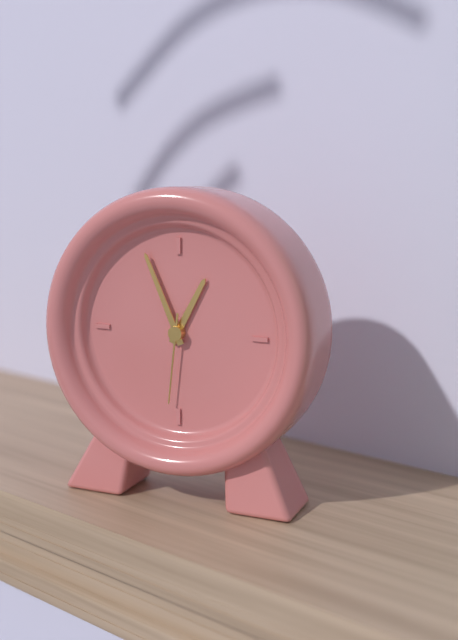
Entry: 12.56.31
